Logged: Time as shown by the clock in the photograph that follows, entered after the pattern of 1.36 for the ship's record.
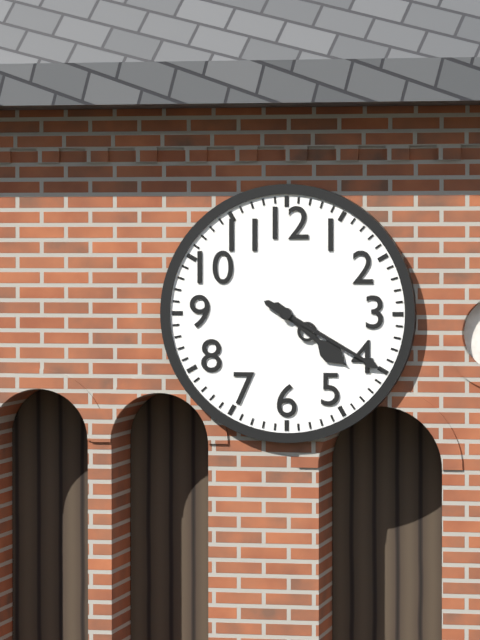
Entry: 4.20
